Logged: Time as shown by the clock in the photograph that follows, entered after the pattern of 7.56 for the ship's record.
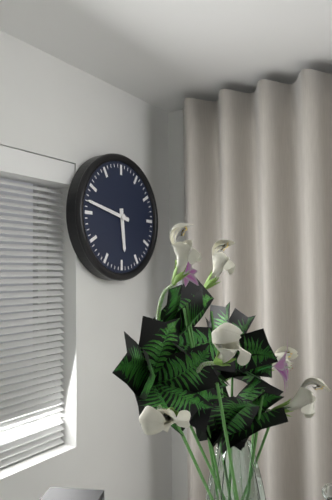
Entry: 5.47
